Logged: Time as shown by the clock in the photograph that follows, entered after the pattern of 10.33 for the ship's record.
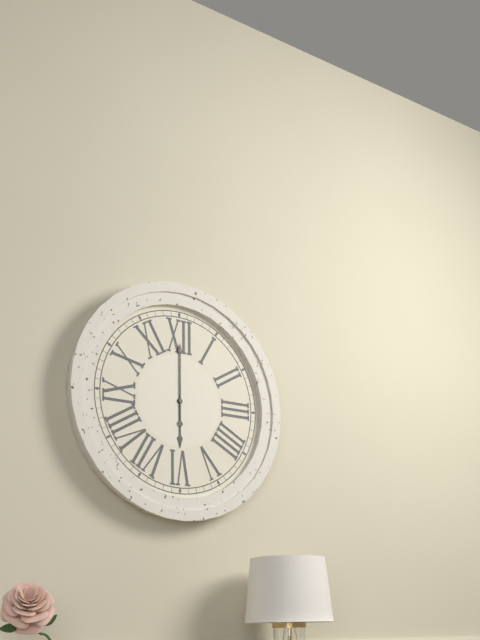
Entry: 6.00
